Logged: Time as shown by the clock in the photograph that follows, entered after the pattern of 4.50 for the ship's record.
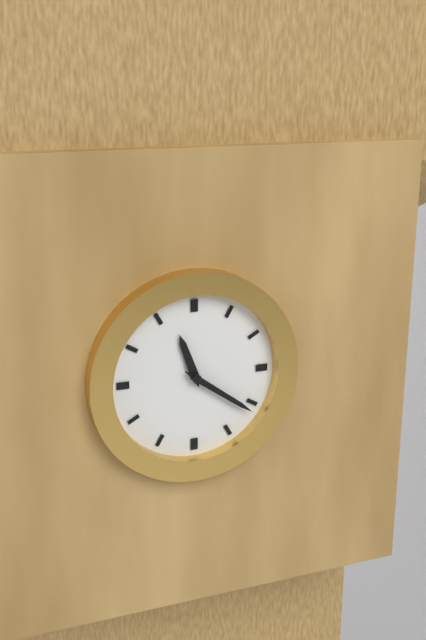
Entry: 11.21
